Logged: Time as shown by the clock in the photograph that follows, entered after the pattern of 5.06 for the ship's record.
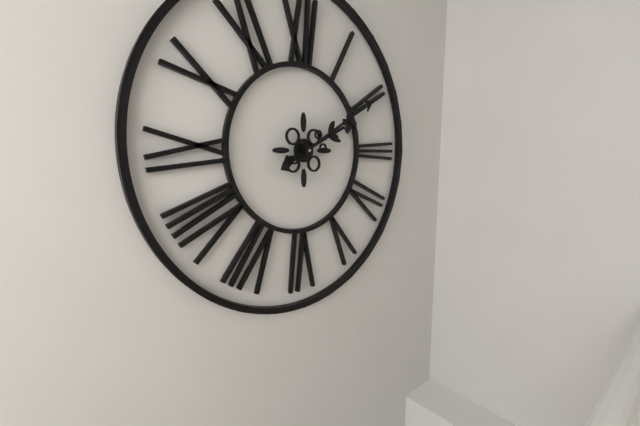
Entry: 2.10
